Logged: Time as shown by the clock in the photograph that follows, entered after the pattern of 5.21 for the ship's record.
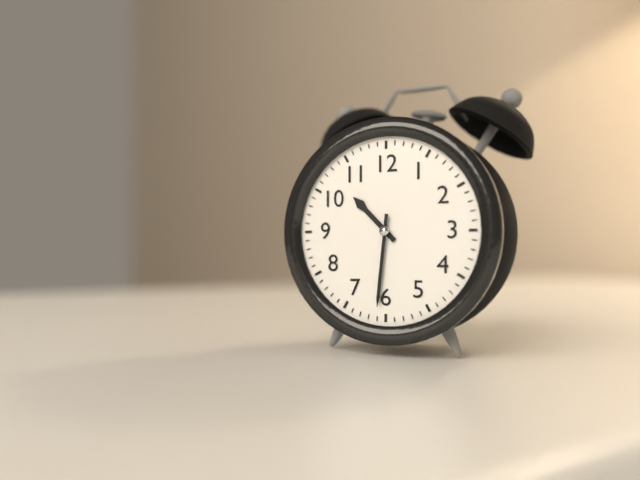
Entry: 10.31
